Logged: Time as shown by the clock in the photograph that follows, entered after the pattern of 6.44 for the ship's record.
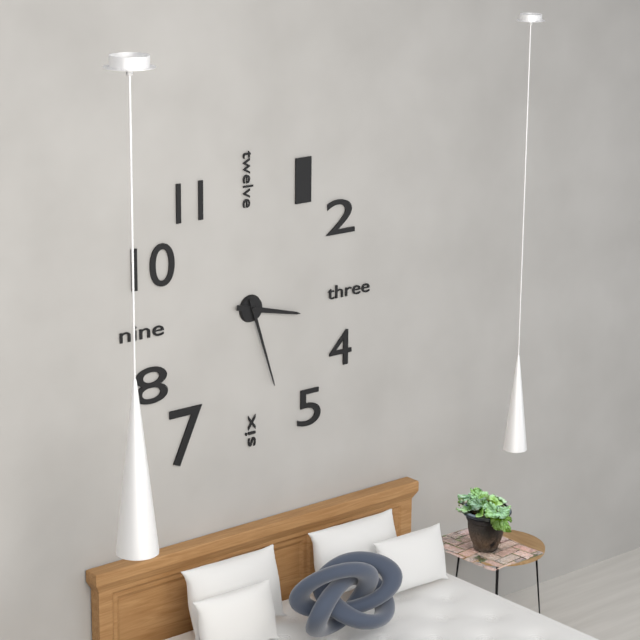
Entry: 3.27
